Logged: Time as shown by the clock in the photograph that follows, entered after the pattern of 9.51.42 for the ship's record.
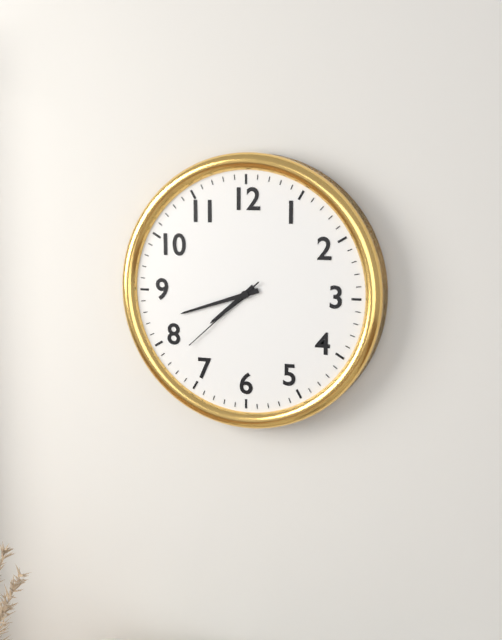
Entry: 7.42.38
